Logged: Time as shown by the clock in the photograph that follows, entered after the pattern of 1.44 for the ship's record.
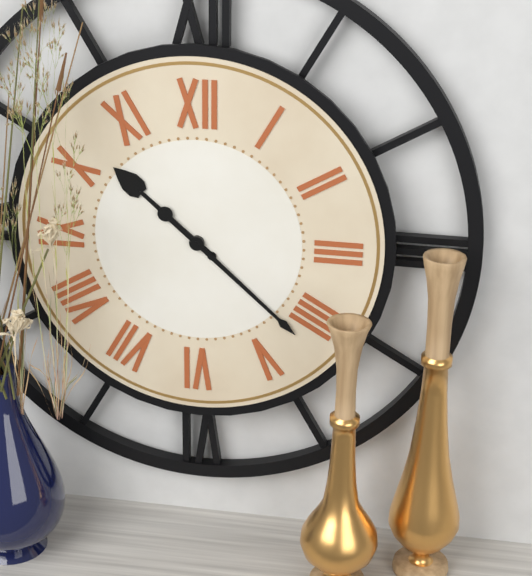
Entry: 10.22
